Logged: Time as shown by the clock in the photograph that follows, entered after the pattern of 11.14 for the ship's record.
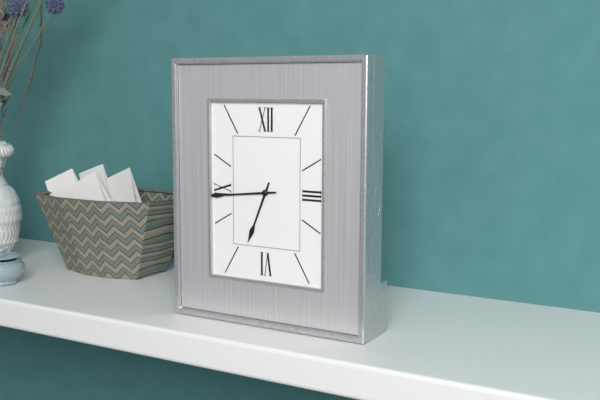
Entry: 6.44
